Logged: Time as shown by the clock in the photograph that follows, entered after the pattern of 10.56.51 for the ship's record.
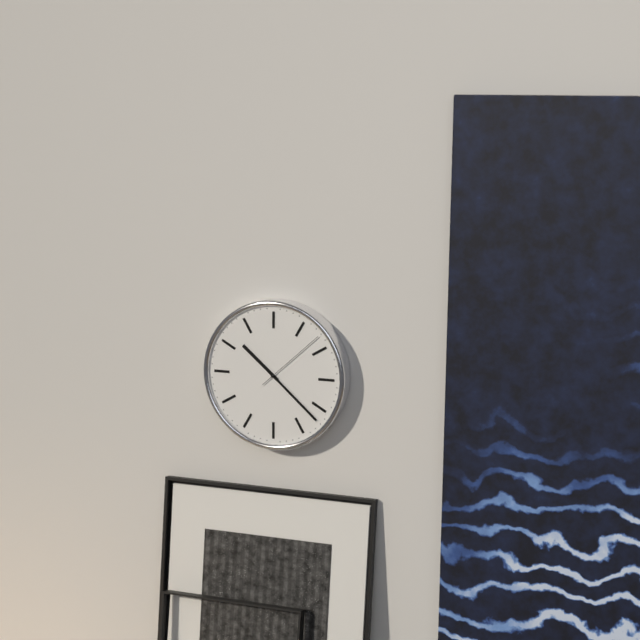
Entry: 10.22.08
